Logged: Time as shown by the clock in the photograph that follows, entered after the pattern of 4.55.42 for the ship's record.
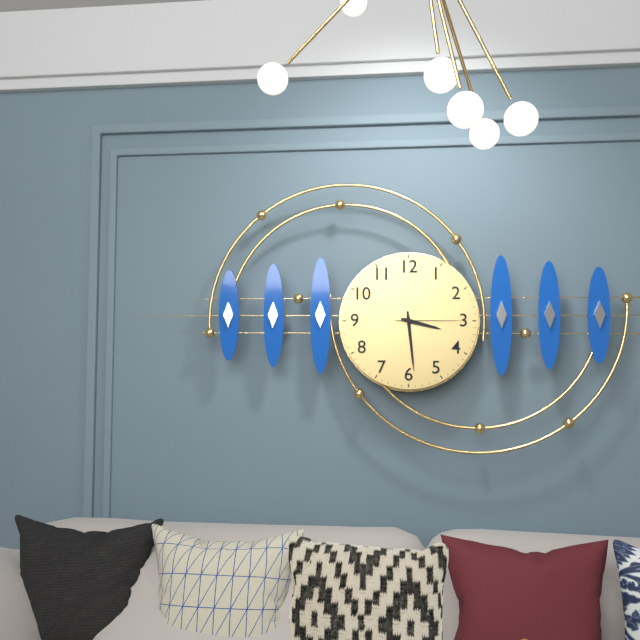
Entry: 3.29.15
